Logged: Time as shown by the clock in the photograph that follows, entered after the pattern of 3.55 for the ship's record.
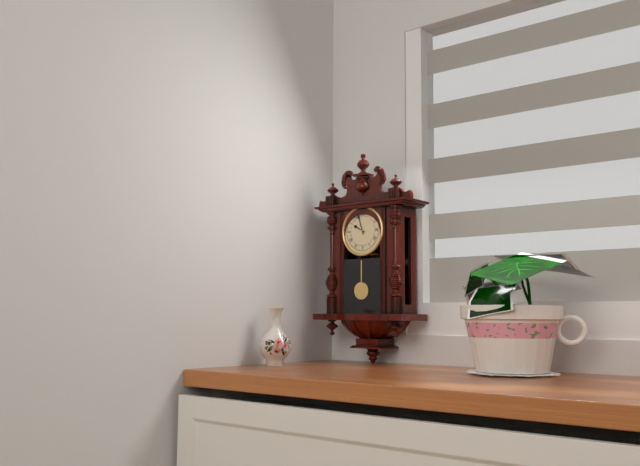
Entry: 9.57
